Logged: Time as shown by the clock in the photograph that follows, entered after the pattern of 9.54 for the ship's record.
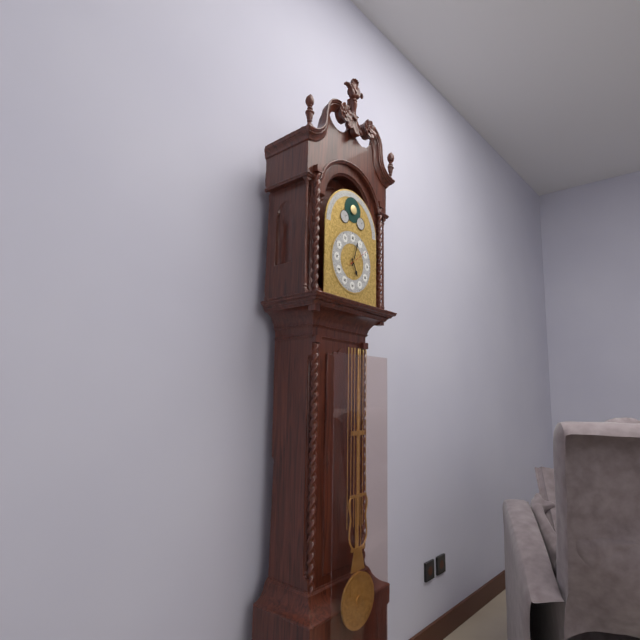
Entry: 5.03
